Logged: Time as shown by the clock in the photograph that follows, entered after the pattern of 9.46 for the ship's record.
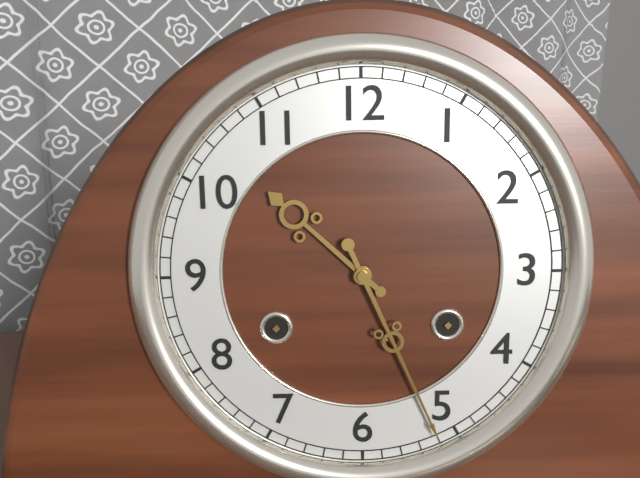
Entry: 10.26
